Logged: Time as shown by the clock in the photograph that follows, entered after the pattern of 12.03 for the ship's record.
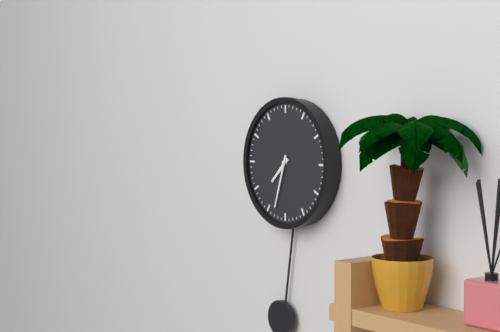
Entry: 7.33
